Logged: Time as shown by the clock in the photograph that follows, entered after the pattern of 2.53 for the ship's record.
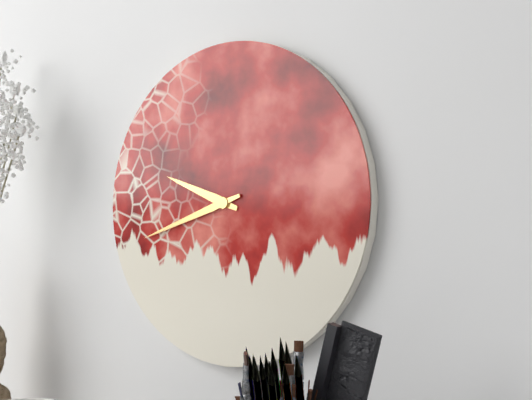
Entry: 9.42
